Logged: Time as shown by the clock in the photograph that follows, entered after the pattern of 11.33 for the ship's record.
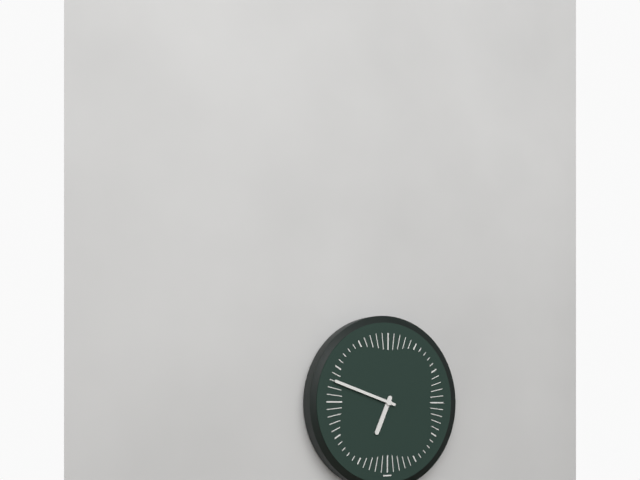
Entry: 6.48
